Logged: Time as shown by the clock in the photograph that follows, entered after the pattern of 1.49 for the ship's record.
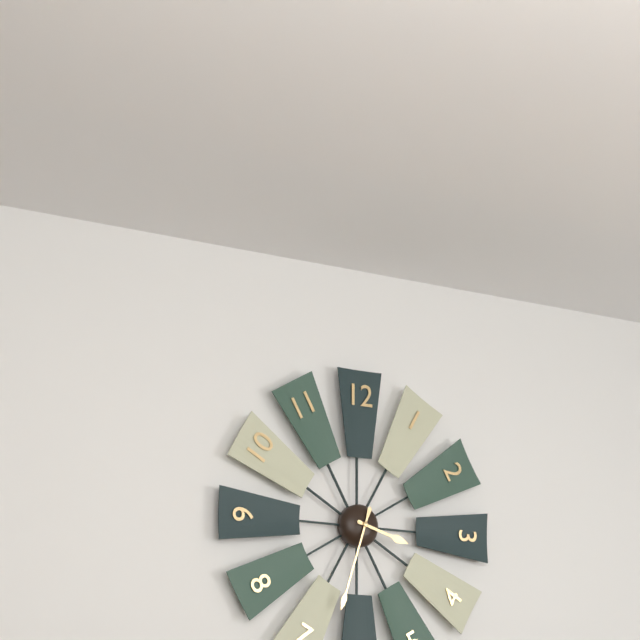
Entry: 3.33
